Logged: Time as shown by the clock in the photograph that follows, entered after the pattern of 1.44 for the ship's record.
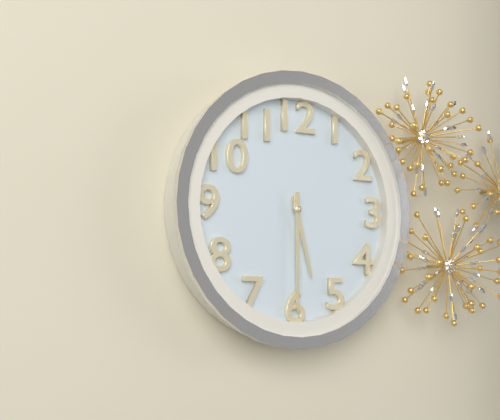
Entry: 5.30
